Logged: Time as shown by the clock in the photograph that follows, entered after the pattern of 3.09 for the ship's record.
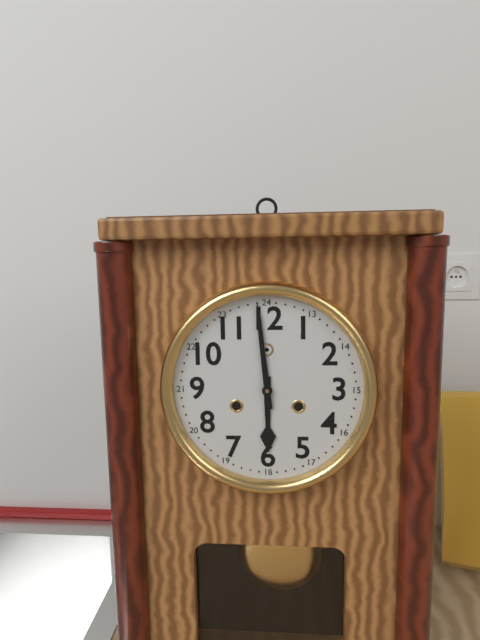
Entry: 5.59
